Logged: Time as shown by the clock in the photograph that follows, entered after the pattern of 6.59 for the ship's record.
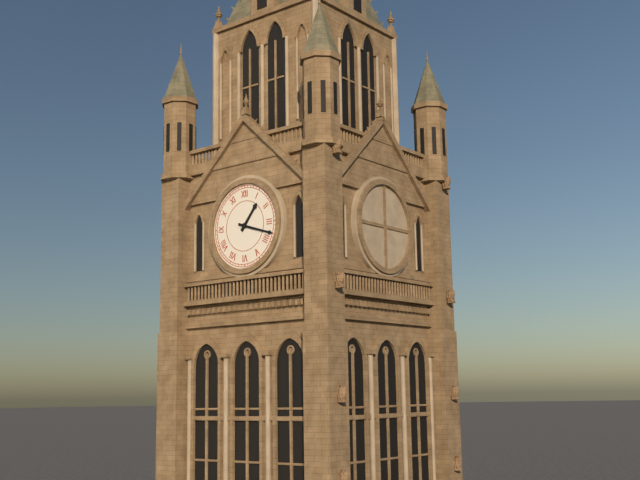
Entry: 1.18
